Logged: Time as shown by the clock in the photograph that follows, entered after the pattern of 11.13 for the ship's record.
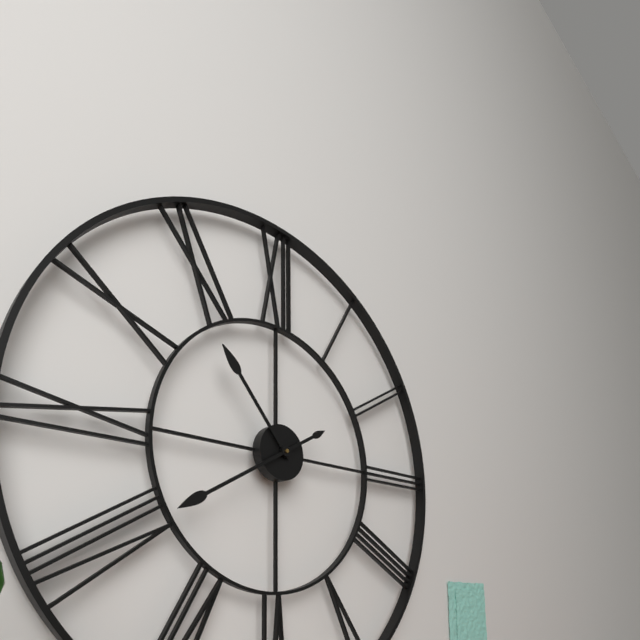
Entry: 10.40
